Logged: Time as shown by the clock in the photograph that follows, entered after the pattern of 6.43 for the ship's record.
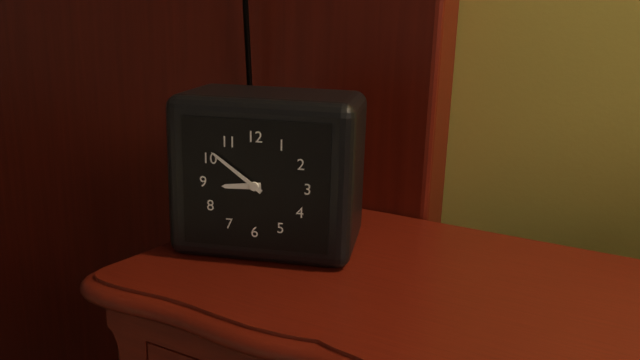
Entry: 8.51
